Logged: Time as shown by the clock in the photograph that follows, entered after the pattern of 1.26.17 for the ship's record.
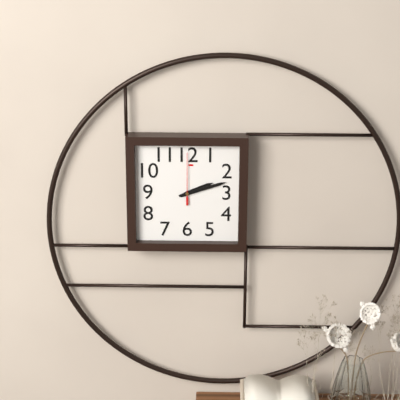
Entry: 2.12.00
